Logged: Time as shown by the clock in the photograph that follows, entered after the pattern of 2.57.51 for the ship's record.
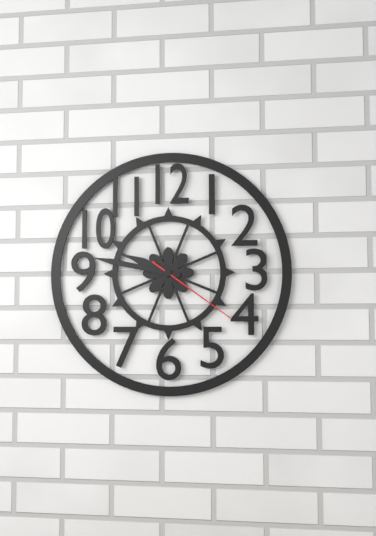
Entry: 9.47.21
